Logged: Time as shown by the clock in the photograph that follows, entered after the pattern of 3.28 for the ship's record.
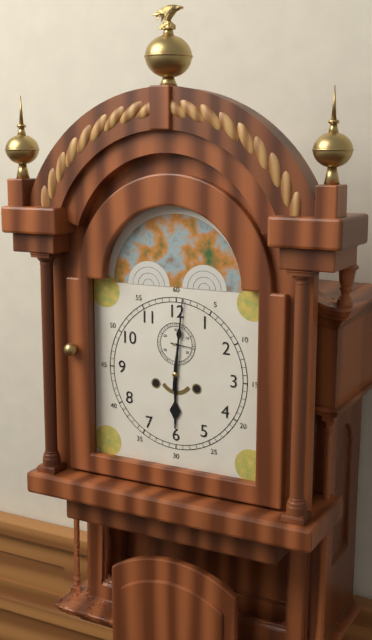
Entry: 6.01
